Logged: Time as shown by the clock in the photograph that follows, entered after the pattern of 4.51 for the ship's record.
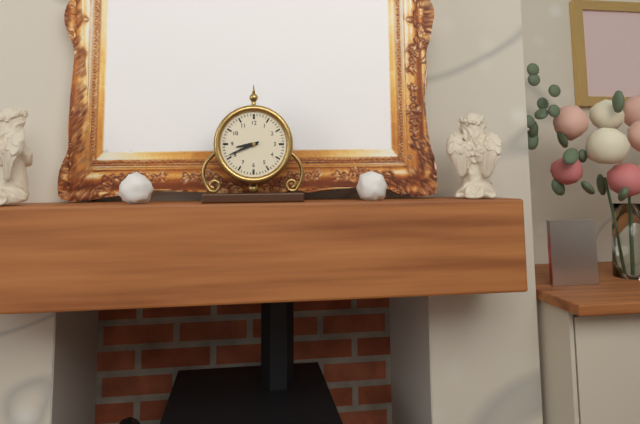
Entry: 8.41
